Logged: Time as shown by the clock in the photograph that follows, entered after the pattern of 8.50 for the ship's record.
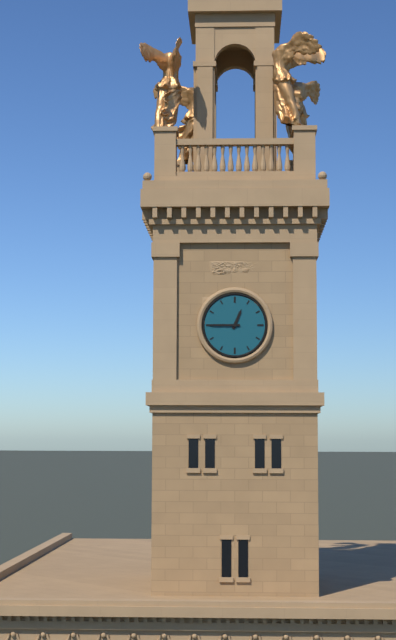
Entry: 12.45
